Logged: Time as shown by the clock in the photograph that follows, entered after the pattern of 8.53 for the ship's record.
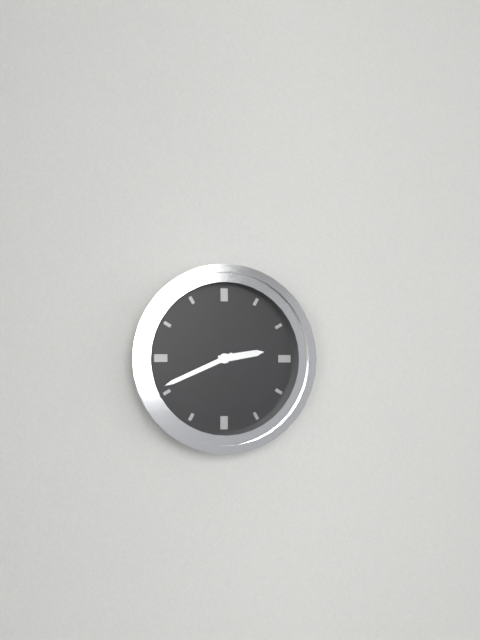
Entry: 2.41
